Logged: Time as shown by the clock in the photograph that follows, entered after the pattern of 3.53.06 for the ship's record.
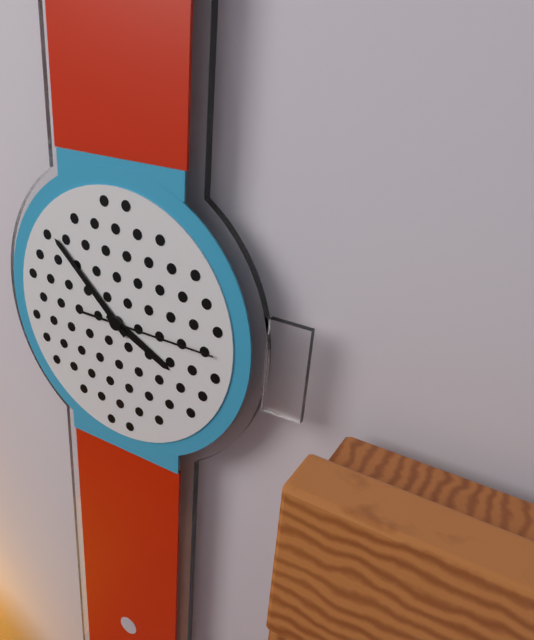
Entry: 3.52.15
